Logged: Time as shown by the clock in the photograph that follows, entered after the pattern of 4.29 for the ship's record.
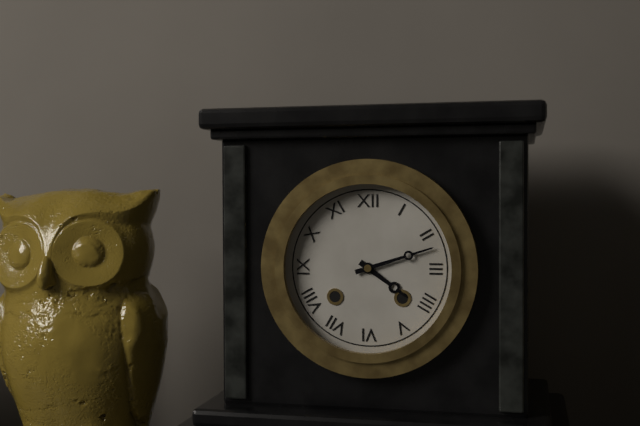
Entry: 4.12
